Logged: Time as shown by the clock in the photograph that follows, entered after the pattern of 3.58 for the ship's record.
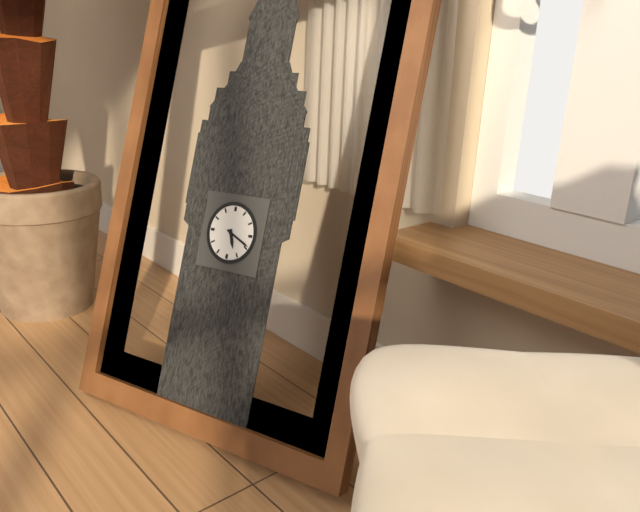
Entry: 5.19
